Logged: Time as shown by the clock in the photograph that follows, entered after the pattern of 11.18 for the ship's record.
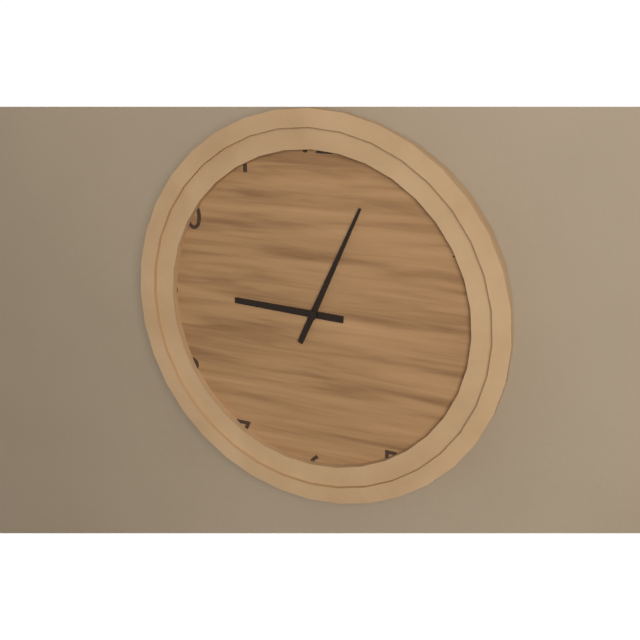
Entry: 9.04
